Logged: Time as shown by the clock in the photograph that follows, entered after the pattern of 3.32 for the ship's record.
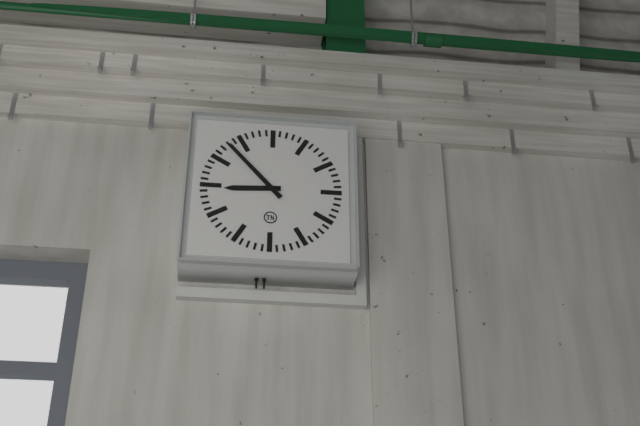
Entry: 8.53
